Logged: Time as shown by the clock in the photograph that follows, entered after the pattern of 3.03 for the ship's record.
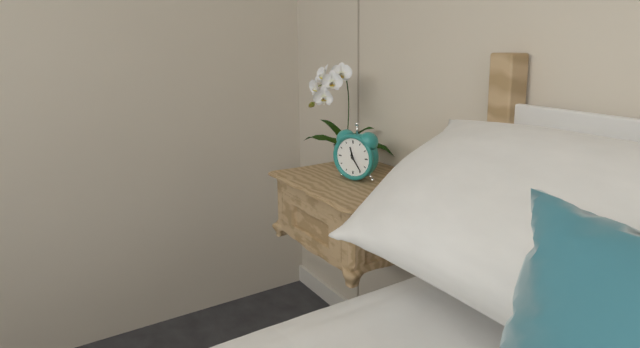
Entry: 11.24
